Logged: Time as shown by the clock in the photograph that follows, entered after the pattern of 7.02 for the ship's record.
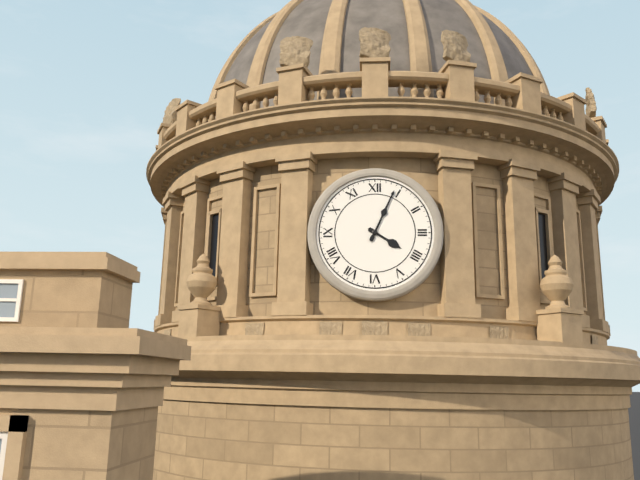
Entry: 4.04
